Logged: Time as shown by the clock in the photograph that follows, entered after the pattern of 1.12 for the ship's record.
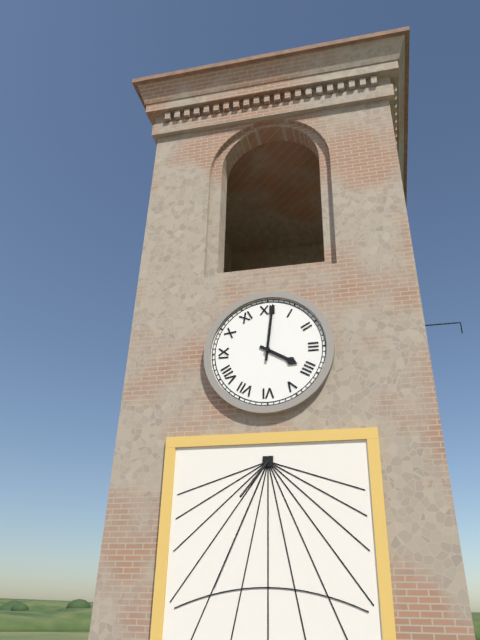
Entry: 4.01
